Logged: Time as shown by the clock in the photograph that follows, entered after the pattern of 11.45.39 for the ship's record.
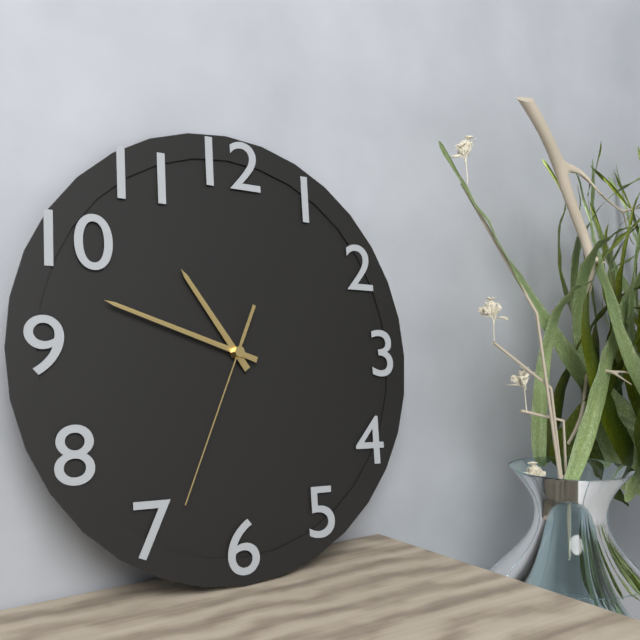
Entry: 10.48.34
